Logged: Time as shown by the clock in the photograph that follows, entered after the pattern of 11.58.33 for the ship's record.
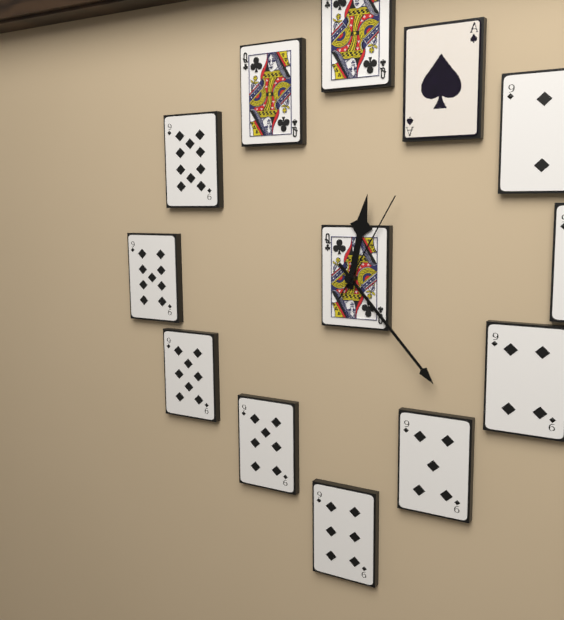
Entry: 12.23.05
